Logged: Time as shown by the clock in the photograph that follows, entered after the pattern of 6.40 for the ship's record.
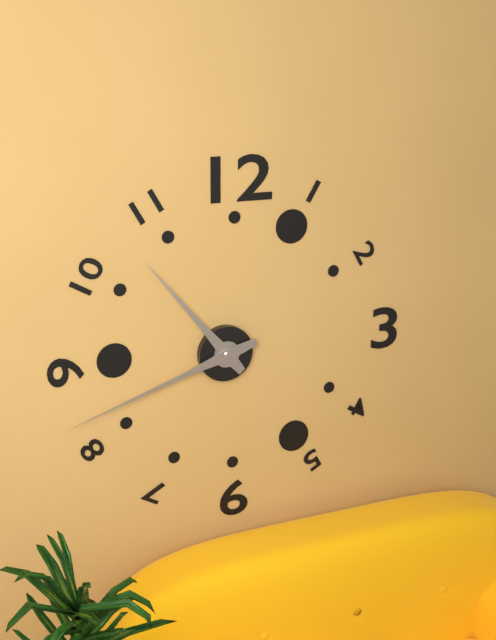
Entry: 10.42
